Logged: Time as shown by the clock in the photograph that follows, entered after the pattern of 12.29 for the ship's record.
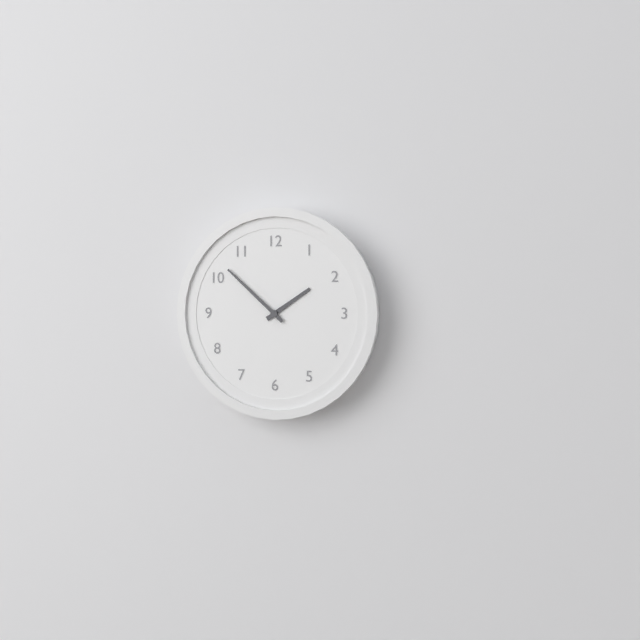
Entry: 1.52
